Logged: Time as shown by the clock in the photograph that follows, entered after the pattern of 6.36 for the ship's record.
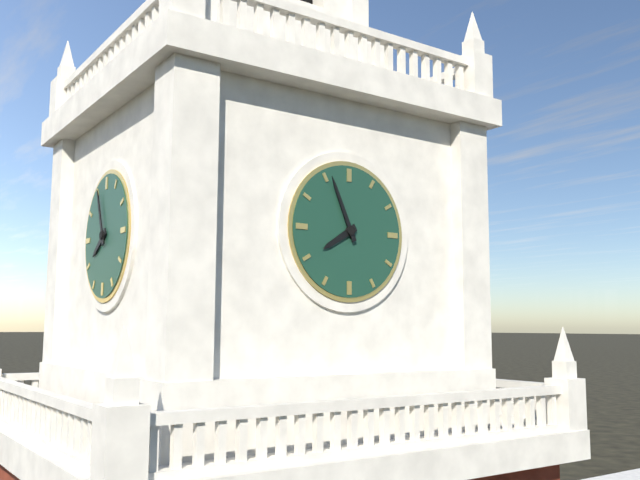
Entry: 7.56
